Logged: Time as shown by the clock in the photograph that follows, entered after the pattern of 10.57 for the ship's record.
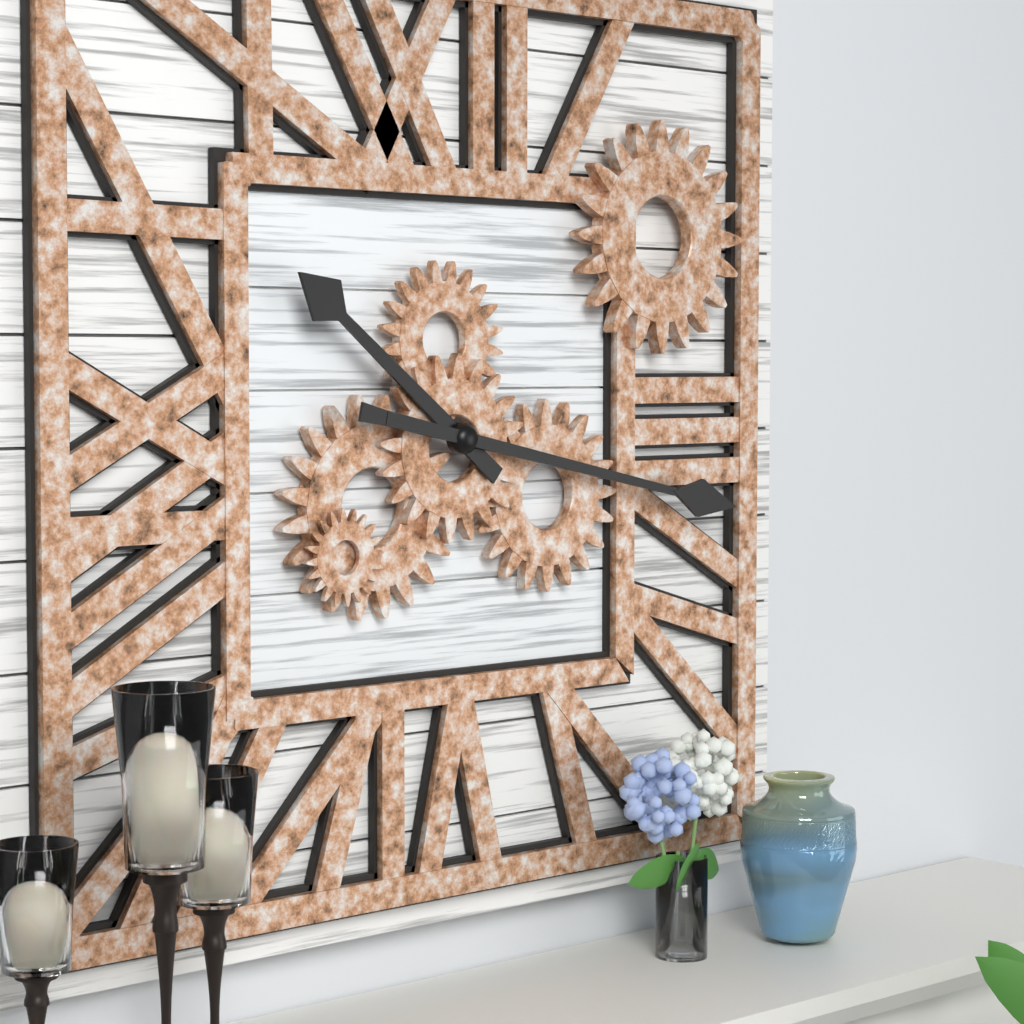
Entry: 10.17
